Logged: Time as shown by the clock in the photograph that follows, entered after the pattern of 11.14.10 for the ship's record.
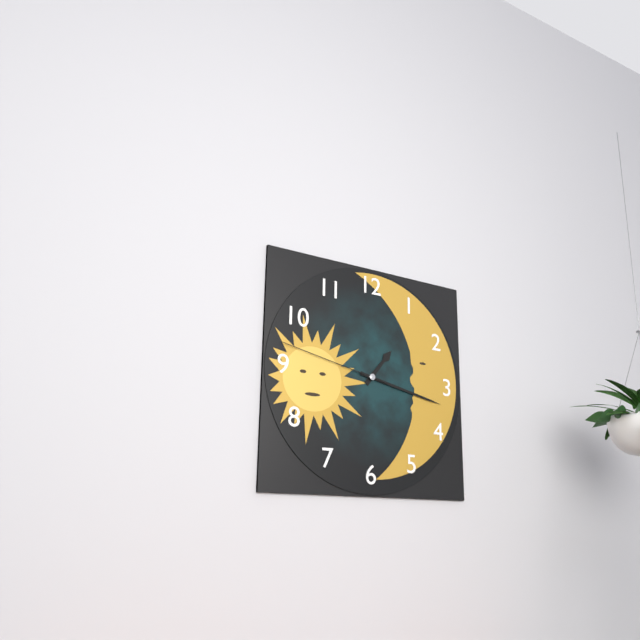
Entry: 1.17.47
